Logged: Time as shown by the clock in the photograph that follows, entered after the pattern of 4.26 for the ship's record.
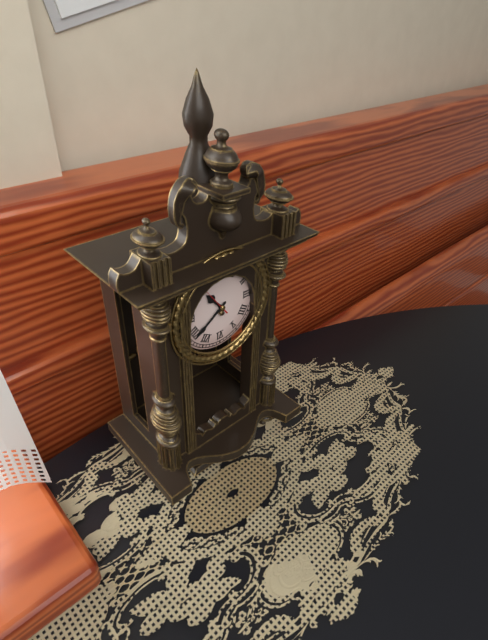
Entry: 10.39
